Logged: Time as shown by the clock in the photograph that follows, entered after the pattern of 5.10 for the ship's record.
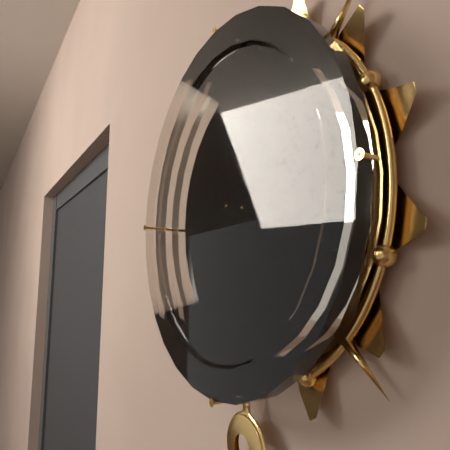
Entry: 10.47
